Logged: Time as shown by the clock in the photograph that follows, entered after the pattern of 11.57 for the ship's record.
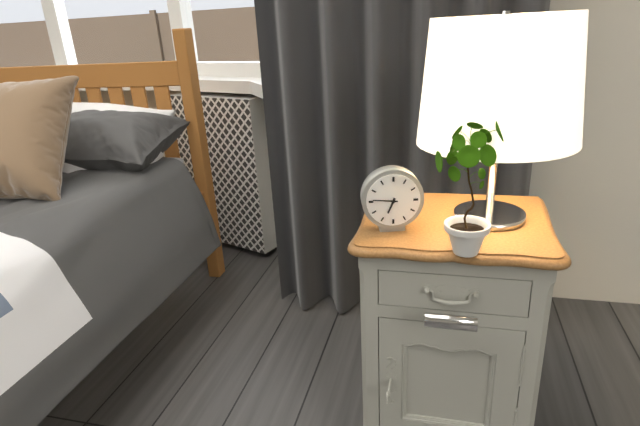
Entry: 6.46
